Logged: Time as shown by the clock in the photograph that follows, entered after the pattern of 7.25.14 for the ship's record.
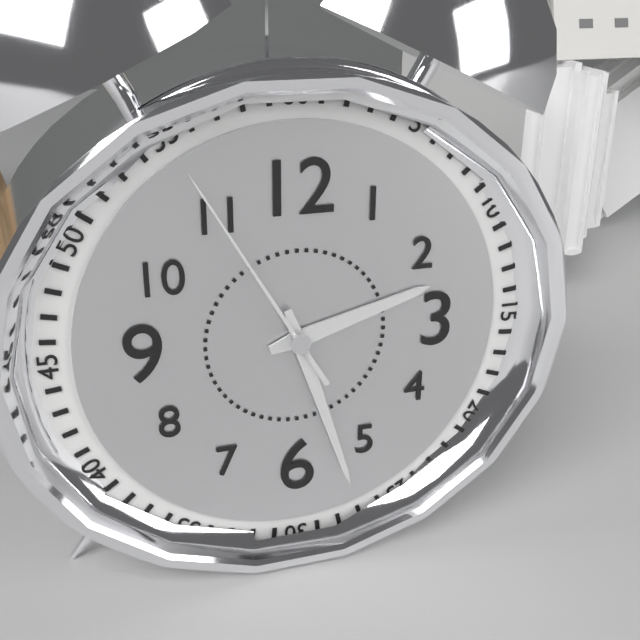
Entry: 2.27.55
